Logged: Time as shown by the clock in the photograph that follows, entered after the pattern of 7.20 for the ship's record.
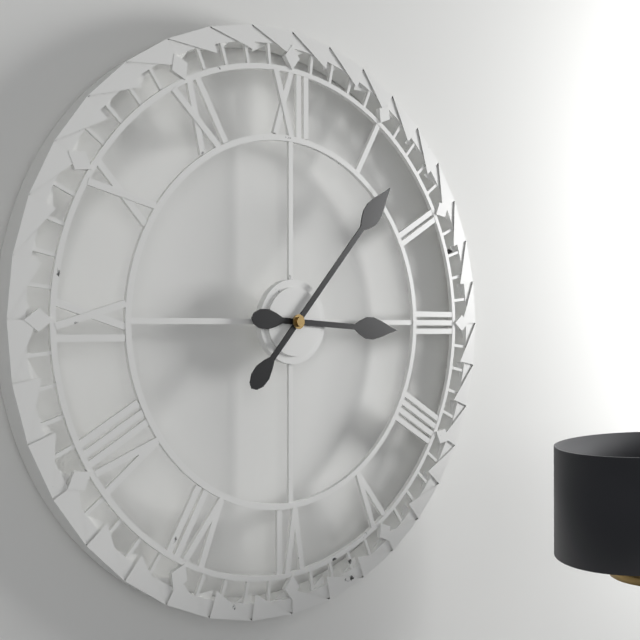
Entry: 3.07
